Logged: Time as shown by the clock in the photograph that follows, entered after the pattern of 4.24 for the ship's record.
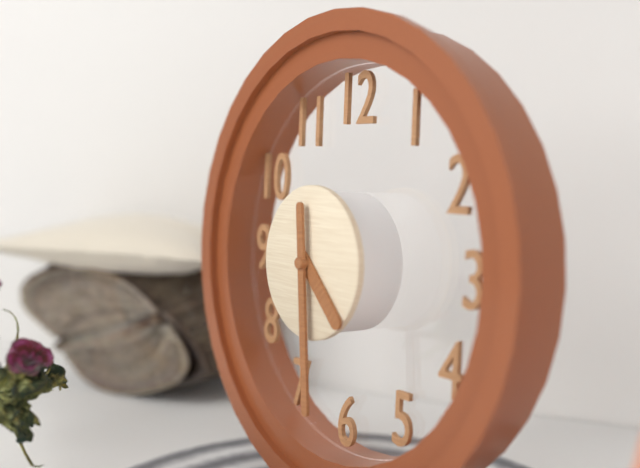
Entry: 4.29
